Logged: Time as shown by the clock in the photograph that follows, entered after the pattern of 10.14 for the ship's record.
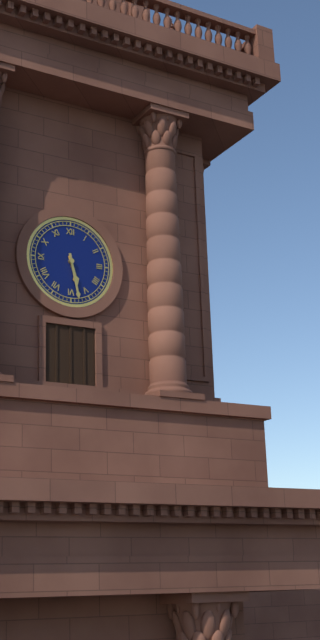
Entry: 5.28
